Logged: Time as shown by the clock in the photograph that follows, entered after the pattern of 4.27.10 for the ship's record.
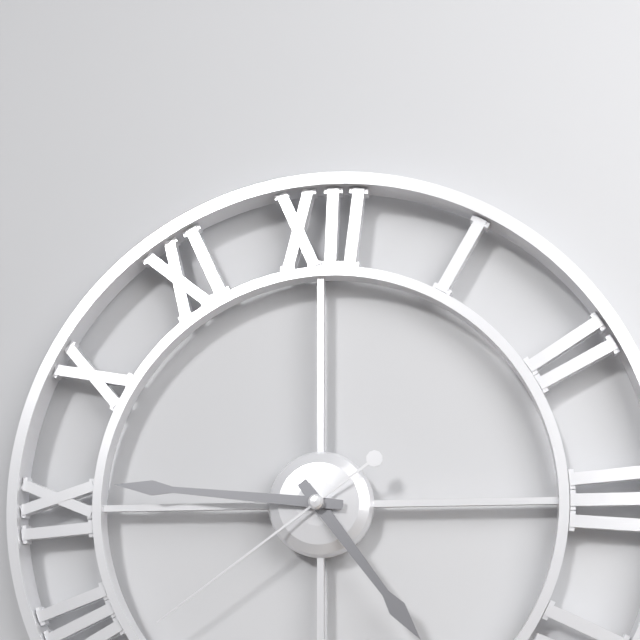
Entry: 4.46.39
